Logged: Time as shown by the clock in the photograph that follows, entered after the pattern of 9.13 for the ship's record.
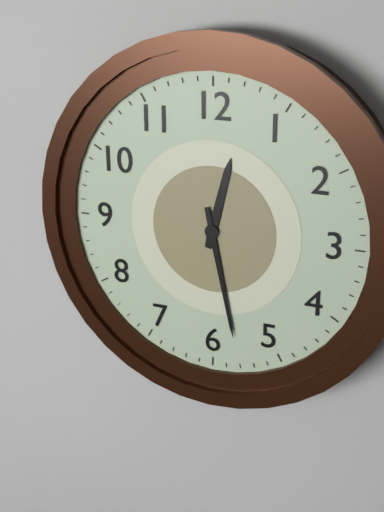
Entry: 12.28
